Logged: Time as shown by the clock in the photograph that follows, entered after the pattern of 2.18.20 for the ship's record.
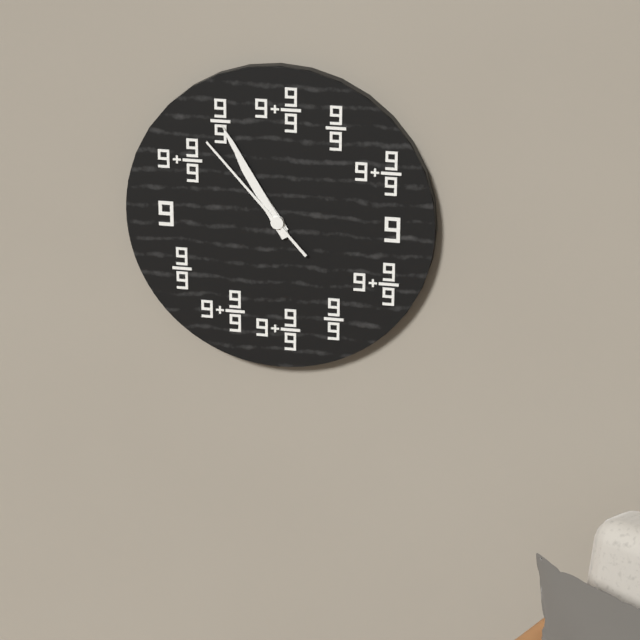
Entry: 10.55.53
